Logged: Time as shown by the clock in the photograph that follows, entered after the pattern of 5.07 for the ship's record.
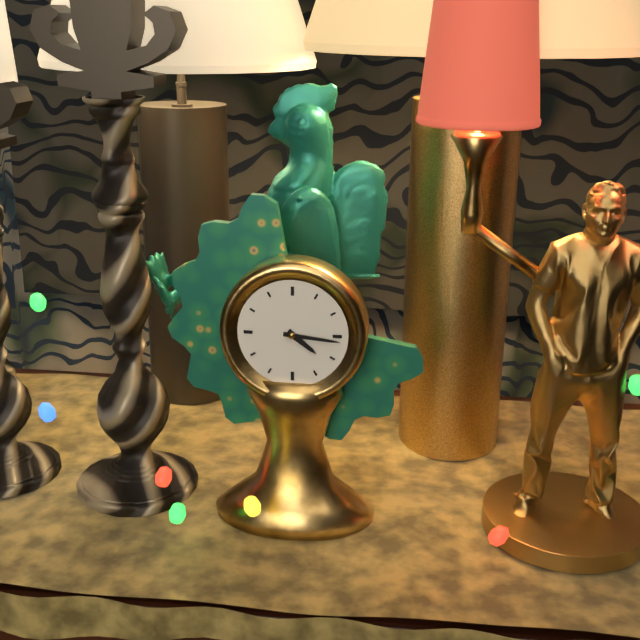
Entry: 4.16
